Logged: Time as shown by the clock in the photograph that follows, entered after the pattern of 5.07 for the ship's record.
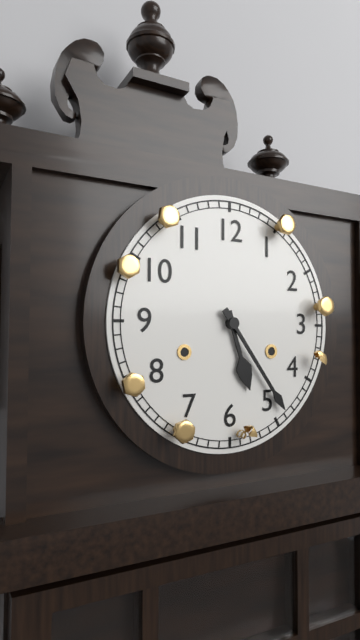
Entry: 5.24
